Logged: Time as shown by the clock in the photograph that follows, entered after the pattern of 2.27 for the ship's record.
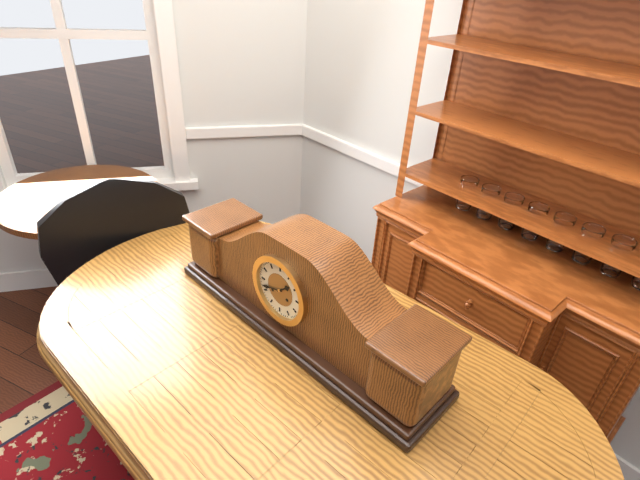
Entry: 1.42
